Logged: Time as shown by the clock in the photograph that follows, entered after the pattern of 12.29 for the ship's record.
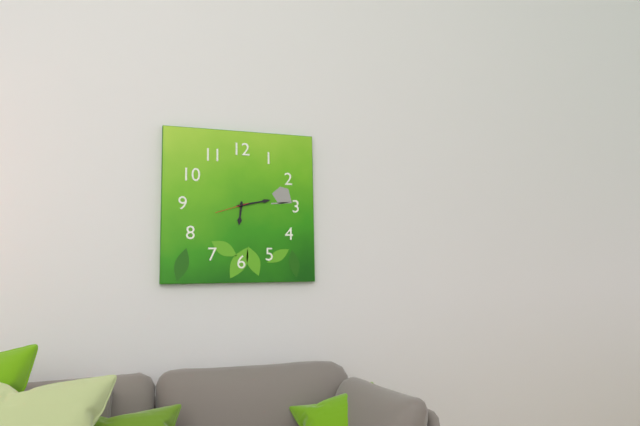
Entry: 6.13
